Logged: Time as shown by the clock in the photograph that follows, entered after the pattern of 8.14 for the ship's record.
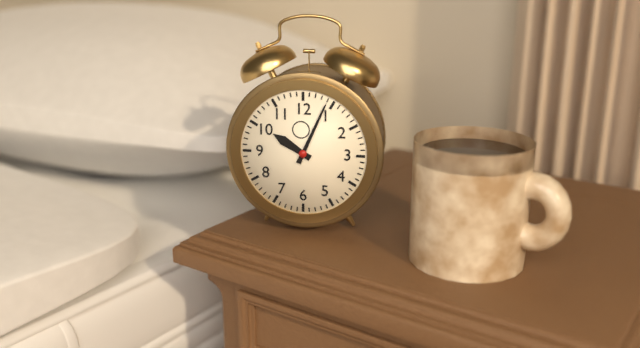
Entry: 10.04
